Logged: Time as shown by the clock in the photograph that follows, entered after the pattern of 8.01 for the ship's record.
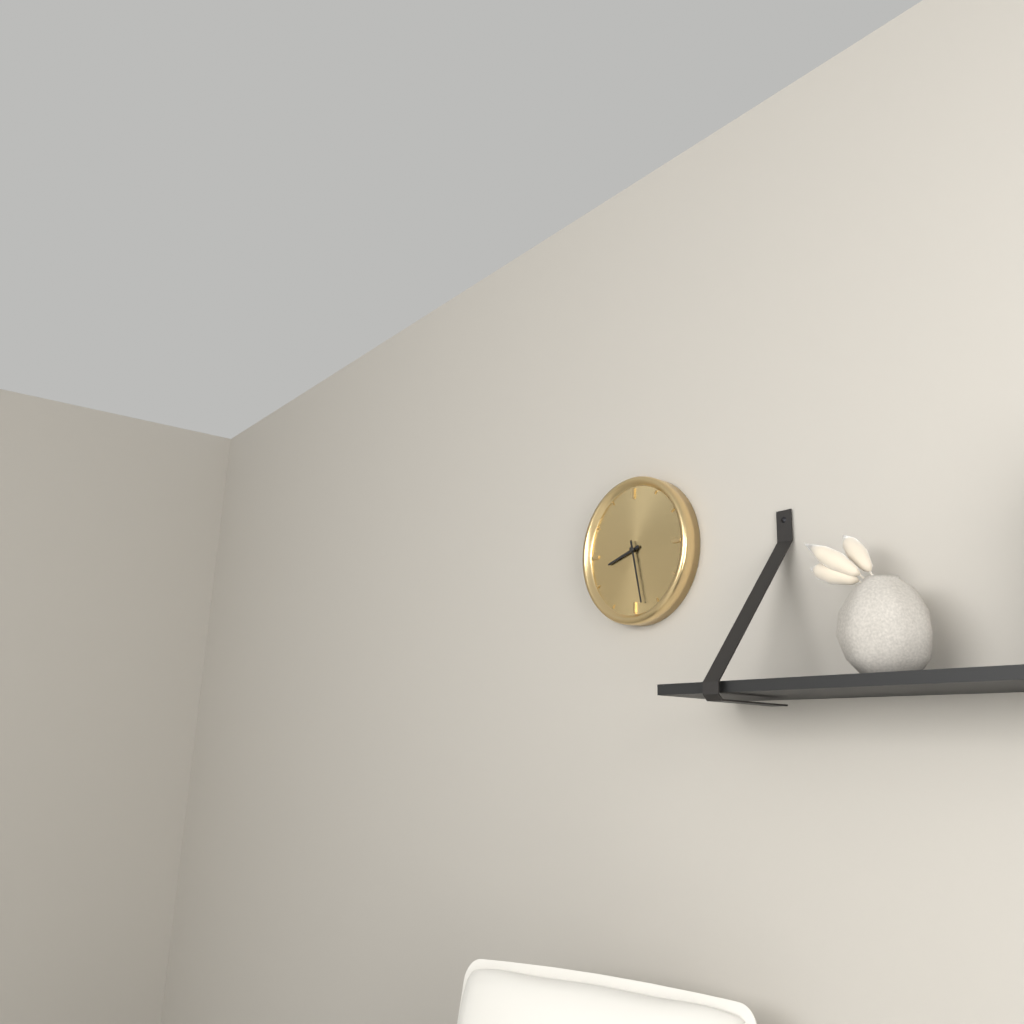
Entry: 8.28
